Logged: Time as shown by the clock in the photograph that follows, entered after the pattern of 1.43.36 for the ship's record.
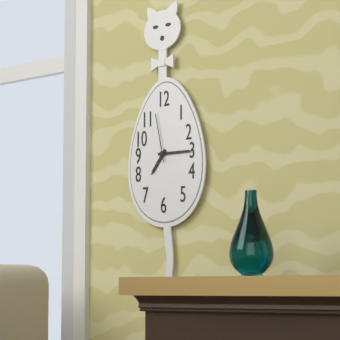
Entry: 7.15.58
